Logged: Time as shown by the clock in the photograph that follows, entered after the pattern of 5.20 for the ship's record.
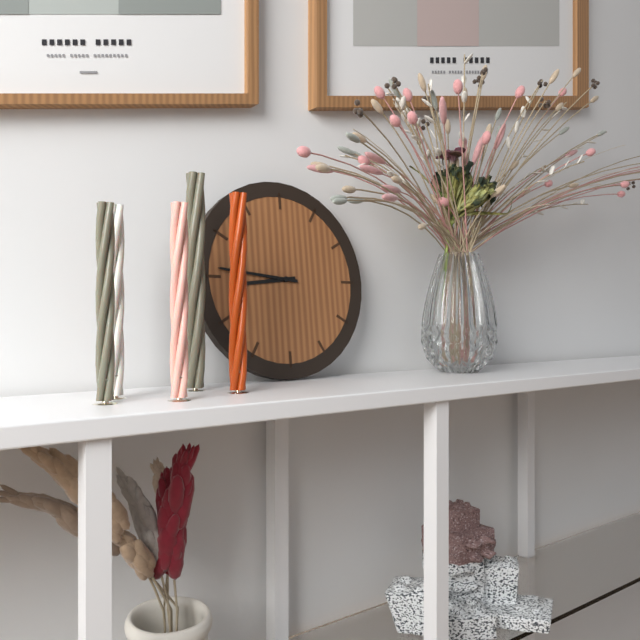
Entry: 8.46
